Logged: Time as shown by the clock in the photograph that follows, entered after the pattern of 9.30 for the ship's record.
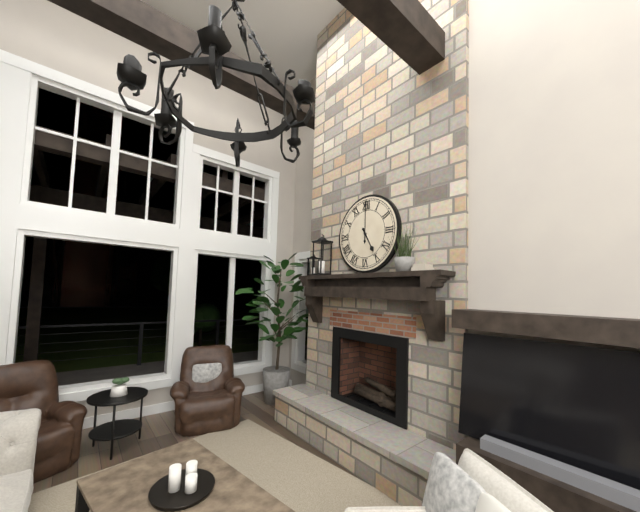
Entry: 5.00
